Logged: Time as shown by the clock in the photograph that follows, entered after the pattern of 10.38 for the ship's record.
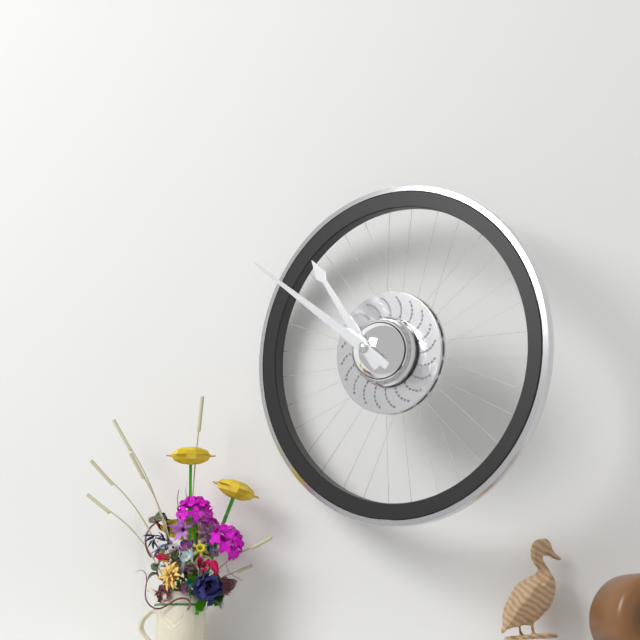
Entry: 10.51
